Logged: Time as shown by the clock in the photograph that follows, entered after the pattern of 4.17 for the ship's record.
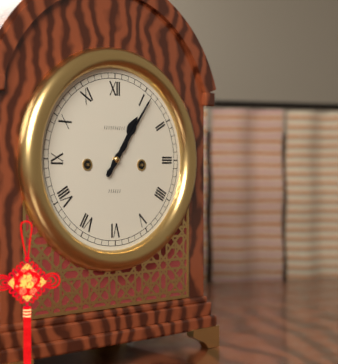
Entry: 1.06
